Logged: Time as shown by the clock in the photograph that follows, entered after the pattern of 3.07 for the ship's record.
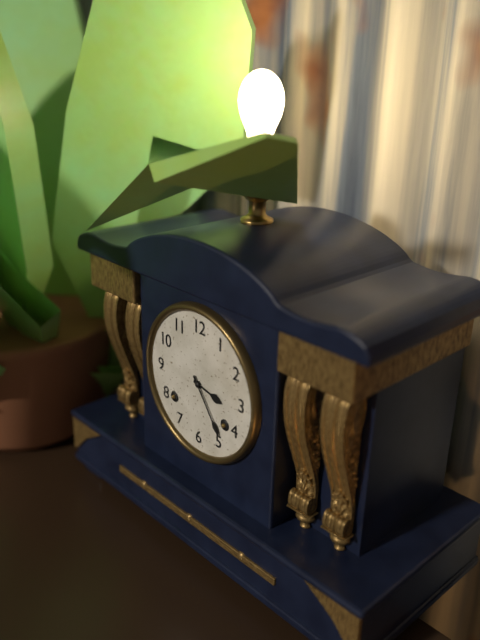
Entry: 3.24
